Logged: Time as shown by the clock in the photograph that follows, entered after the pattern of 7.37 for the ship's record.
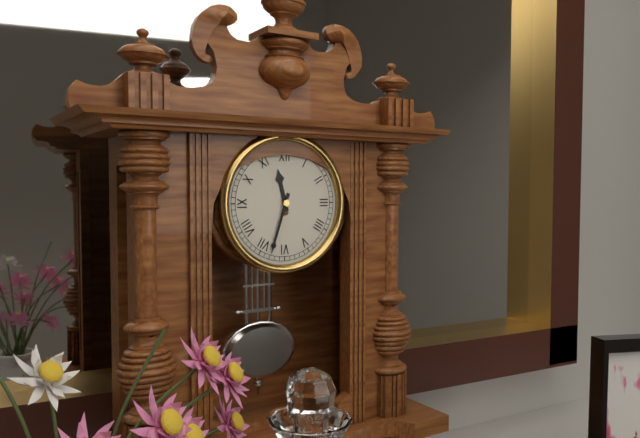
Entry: 11.33
